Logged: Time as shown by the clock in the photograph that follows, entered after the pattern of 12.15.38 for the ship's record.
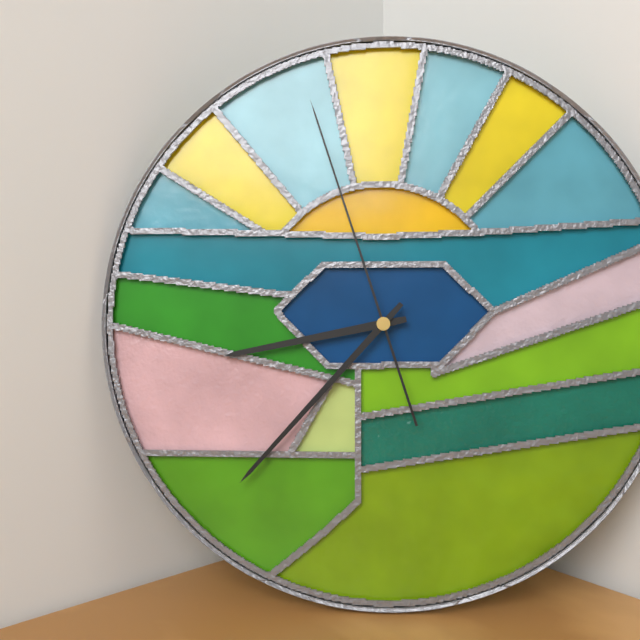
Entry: 8.37.57
